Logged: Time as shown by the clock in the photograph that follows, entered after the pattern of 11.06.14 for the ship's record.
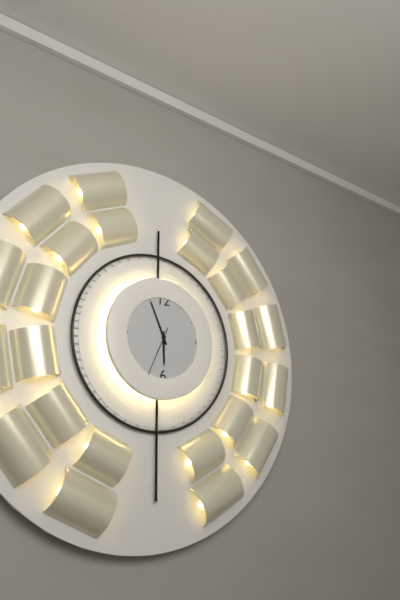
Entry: 5.56.34
